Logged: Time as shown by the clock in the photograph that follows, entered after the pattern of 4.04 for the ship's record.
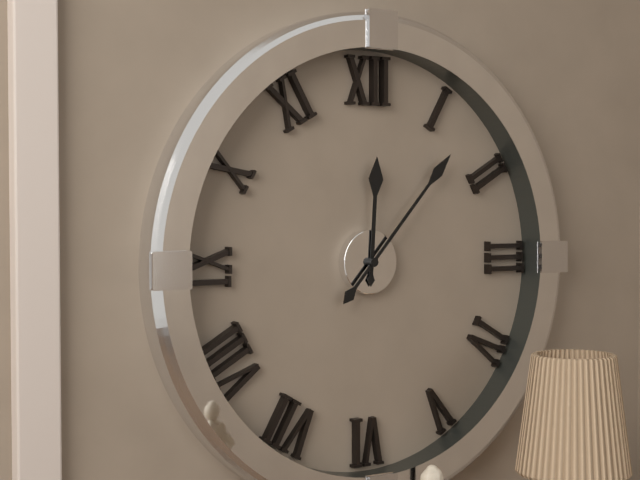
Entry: 12.07
